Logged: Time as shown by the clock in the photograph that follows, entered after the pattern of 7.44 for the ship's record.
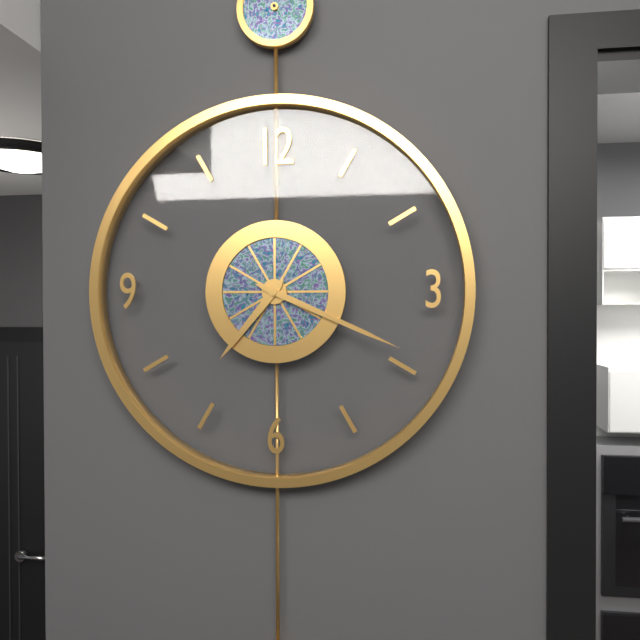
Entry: 7.19
